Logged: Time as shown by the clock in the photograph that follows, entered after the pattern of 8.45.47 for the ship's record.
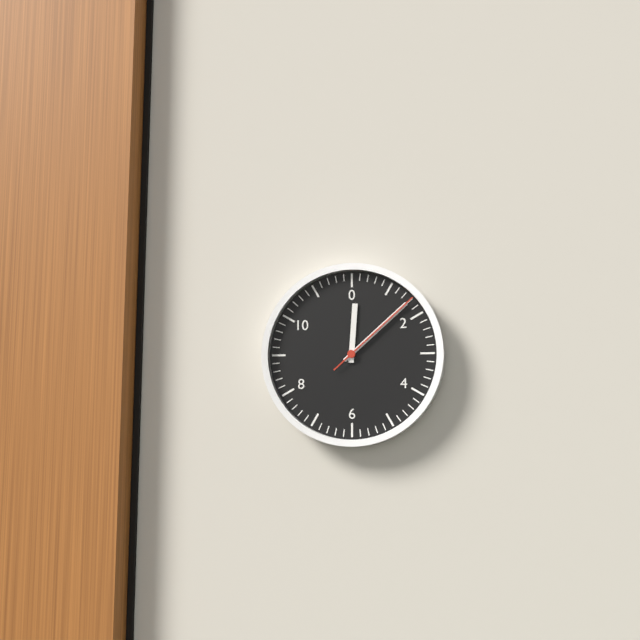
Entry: 12.08.08
